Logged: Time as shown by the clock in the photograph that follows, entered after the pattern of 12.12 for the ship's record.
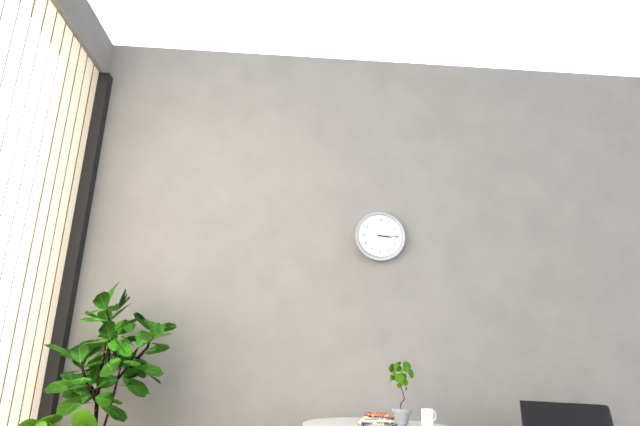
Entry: 3.15
